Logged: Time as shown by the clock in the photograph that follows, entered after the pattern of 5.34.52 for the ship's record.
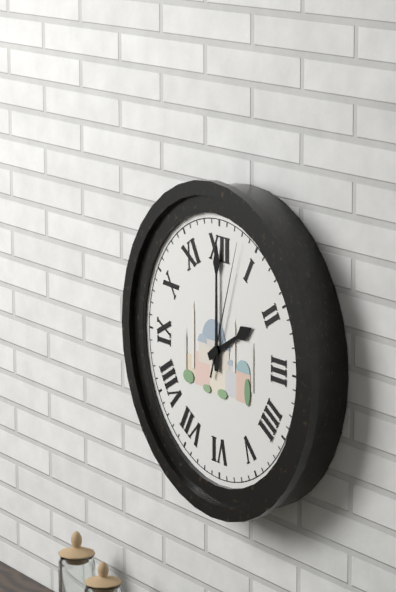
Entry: 2.00.03
